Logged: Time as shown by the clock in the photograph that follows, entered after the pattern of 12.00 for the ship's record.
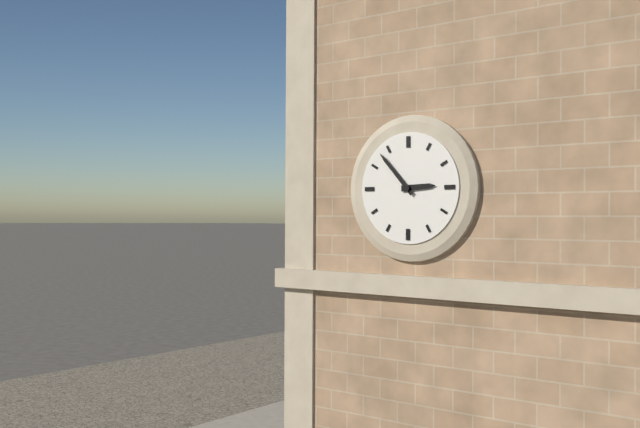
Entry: 2.53
